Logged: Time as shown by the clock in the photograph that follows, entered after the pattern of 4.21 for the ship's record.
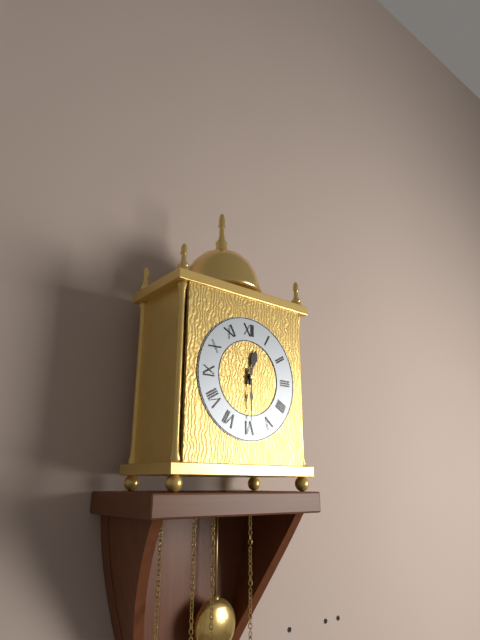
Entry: 12.30
